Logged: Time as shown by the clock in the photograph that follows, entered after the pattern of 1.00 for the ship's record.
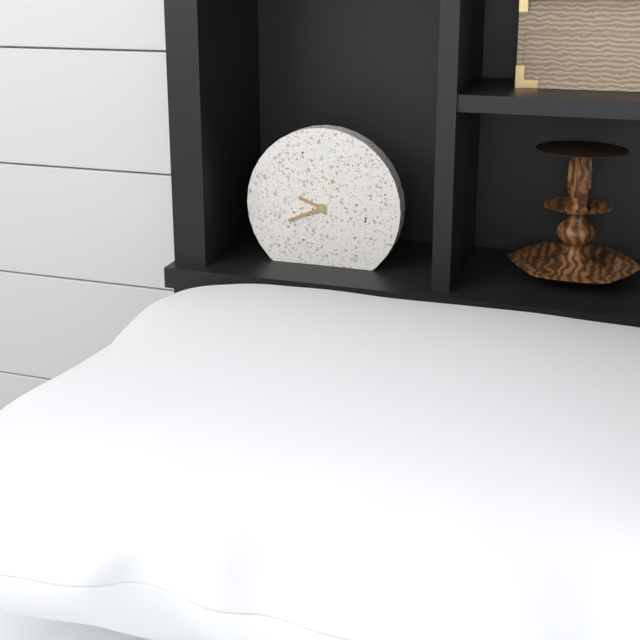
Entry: 9.41
